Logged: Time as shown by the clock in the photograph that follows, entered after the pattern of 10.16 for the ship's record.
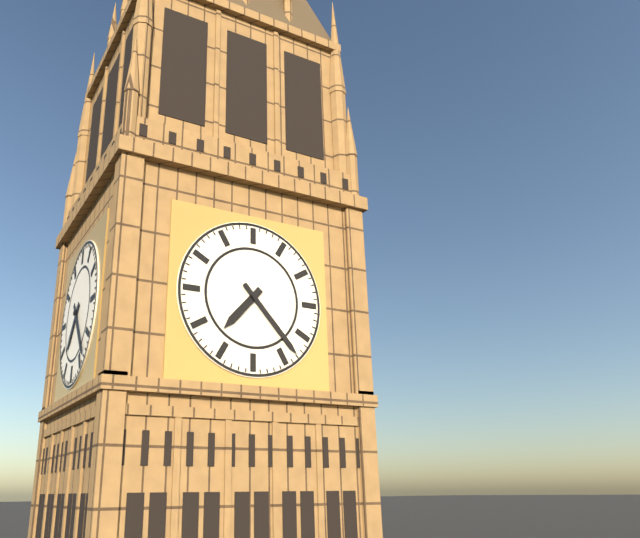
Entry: 7.23
